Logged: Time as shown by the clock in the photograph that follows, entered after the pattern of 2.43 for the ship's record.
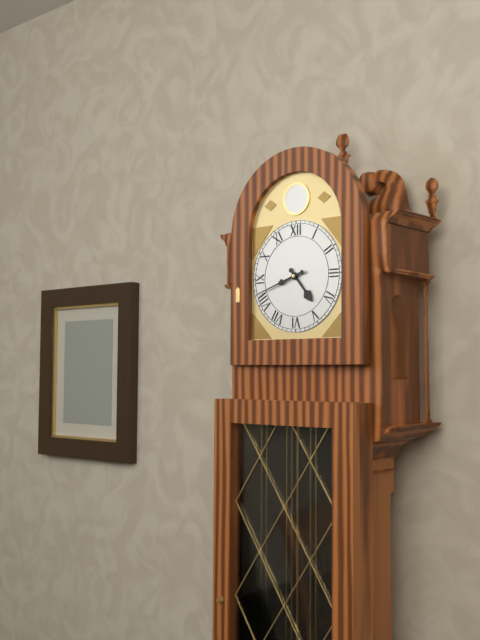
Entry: 4.42
